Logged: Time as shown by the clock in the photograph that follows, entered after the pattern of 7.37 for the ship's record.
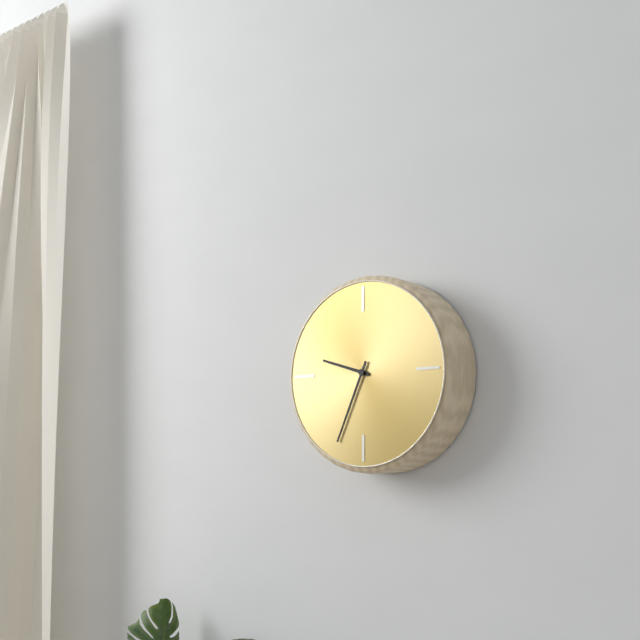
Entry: 9.34
